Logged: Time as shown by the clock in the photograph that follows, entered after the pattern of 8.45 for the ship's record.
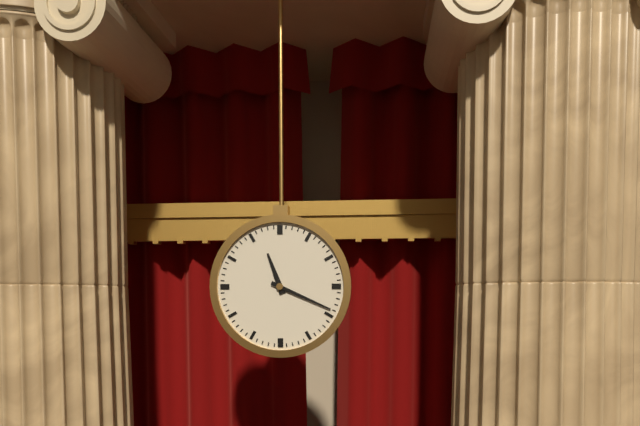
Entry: 11.19
